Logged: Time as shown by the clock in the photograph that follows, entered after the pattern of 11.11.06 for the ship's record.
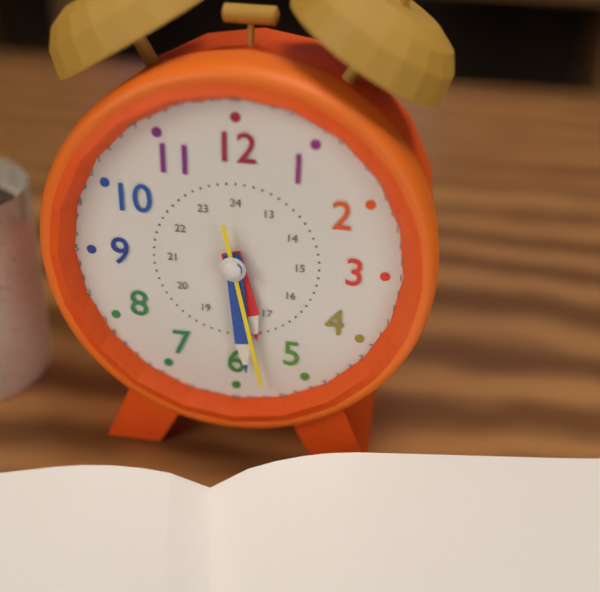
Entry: 5.29.28
